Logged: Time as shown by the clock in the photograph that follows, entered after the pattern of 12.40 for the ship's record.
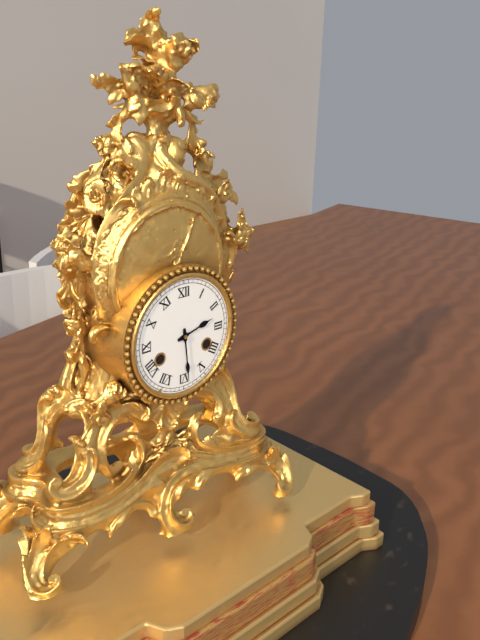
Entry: 2.29
